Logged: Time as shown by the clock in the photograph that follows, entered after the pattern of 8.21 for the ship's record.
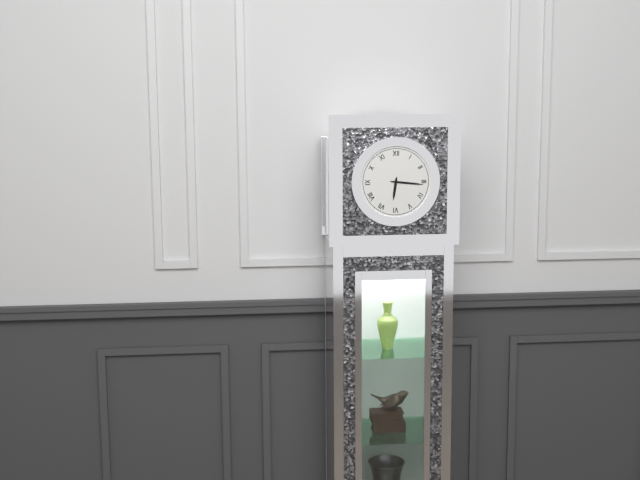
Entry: 6.16
